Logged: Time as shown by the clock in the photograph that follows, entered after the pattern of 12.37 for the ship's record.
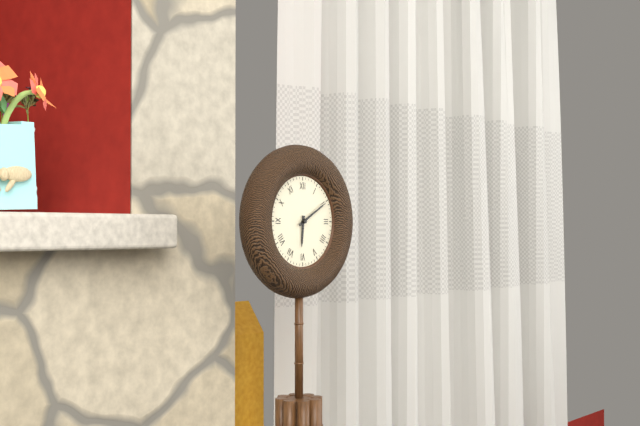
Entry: 6.10
